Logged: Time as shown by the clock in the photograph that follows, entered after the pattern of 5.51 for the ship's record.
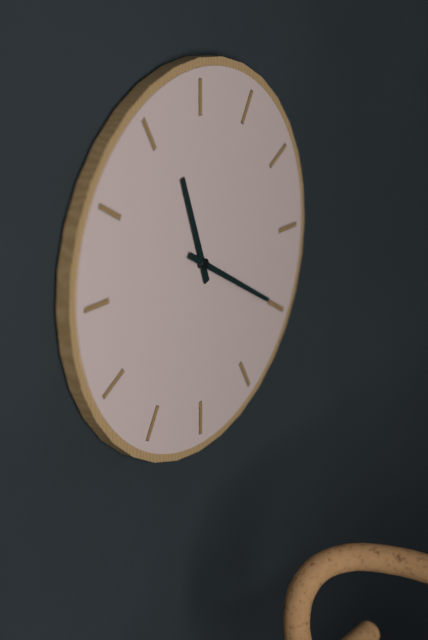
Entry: 11.20
